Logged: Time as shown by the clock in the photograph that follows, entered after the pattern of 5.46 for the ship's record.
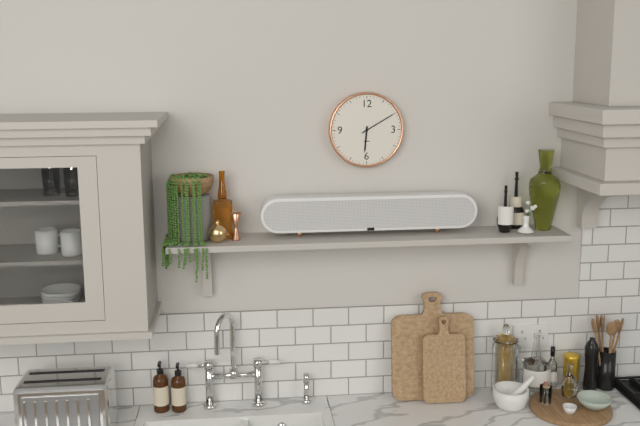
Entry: 6.10
